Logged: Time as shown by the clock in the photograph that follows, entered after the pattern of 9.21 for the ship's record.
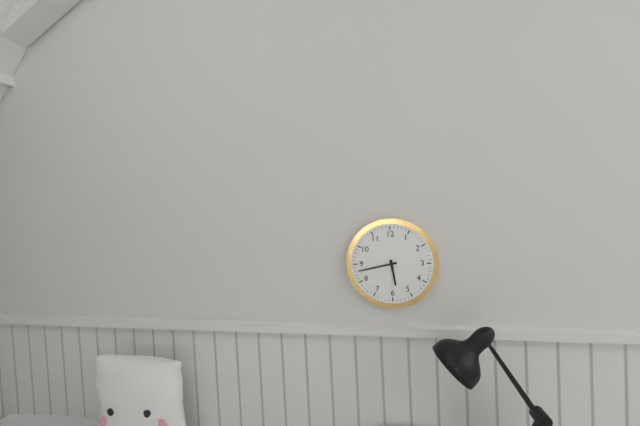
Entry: 5.43
